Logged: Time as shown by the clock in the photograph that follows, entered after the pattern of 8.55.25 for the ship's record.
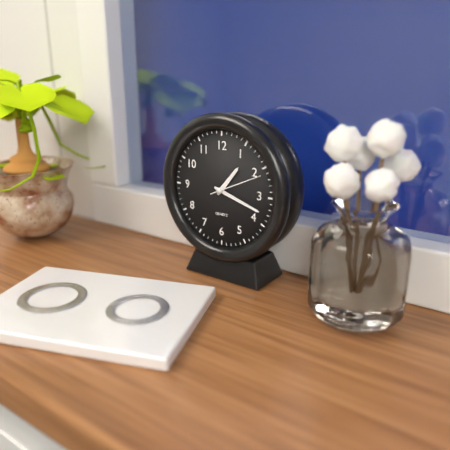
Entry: 1.18.11
